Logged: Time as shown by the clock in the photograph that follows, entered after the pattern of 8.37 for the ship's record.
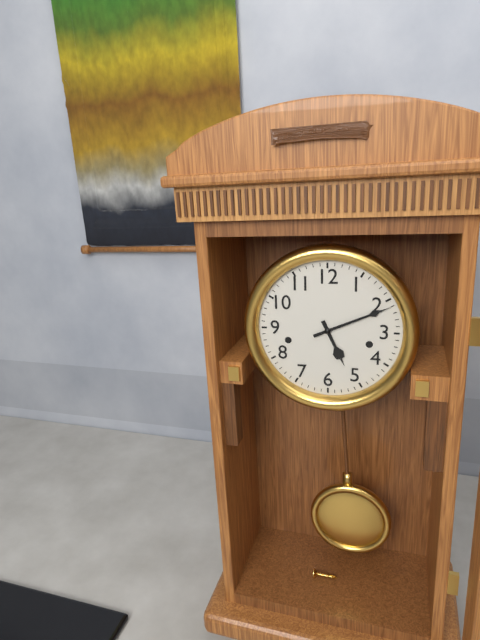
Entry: 5.11
